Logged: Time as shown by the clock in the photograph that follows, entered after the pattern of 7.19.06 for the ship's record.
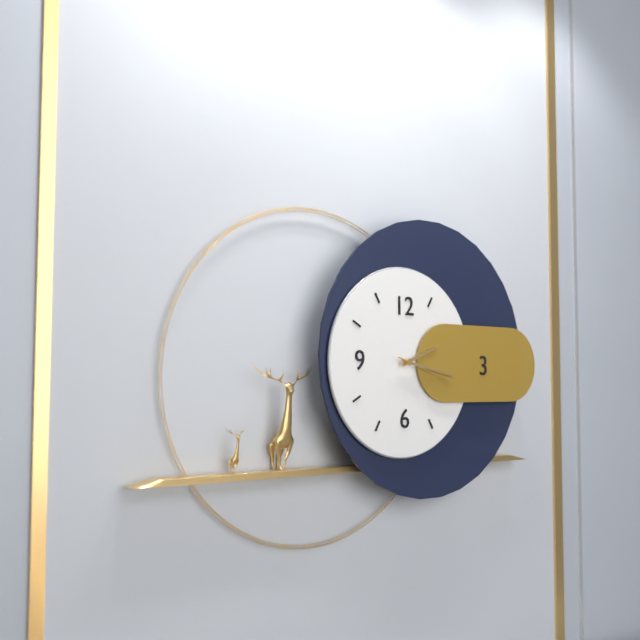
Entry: 2.17.18
